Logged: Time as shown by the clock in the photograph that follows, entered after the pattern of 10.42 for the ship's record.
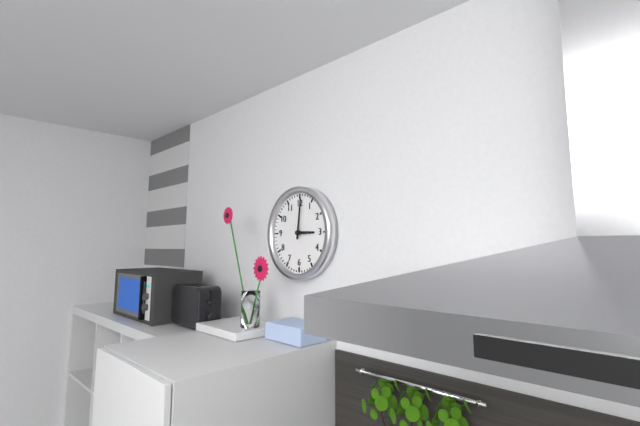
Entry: 3.01
